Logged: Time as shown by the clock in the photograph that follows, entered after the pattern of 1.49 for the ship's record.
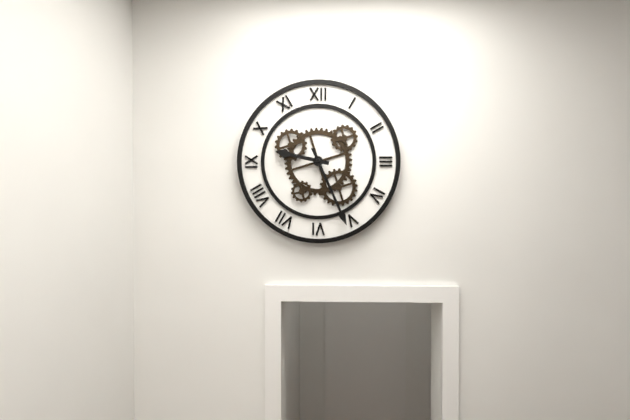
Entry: 9.26
